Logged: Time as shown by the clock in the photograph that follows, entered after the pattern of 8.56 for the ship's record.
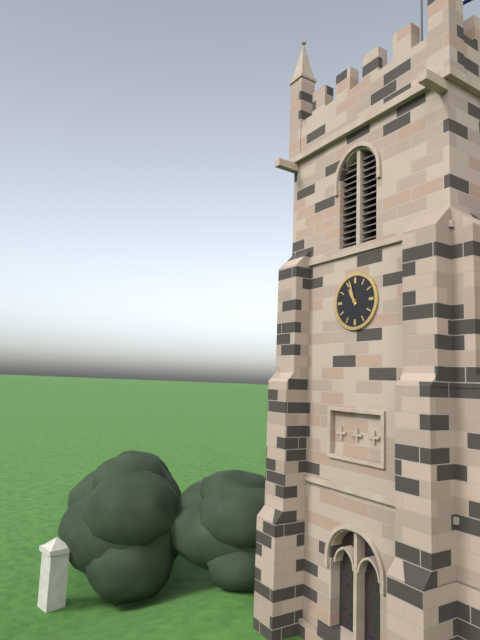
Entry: 10.57
